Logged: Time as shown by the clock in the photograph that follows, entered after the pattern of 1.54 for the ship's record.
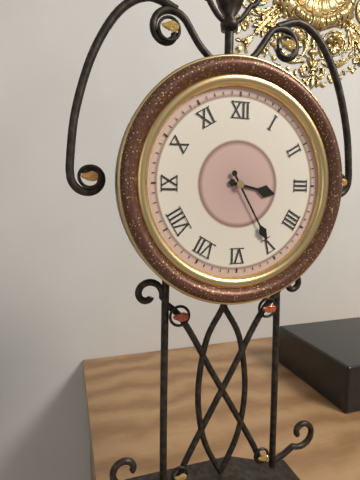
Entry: 3.25
